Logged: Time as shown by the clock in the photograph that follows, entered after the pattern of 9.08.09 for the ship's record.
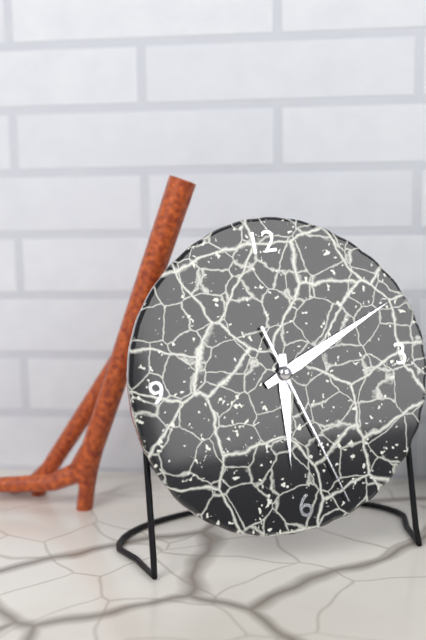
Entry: 6.11.27
